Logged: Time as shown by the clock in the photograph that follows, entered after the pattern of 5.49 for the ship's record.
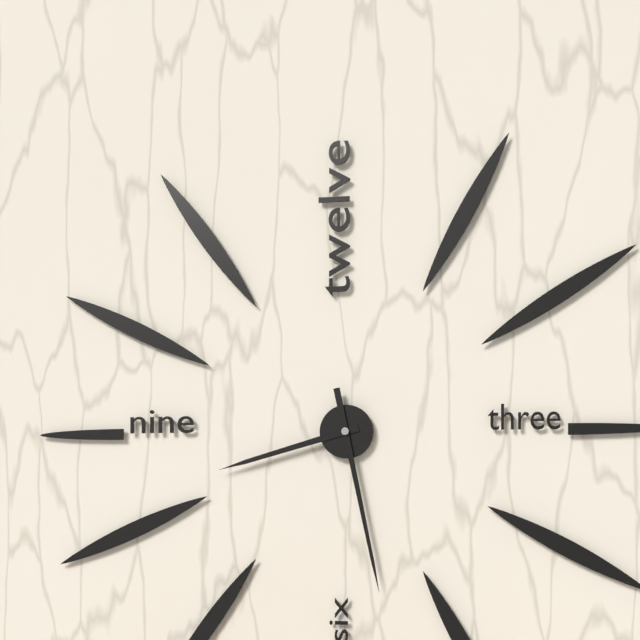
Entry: 8.28
